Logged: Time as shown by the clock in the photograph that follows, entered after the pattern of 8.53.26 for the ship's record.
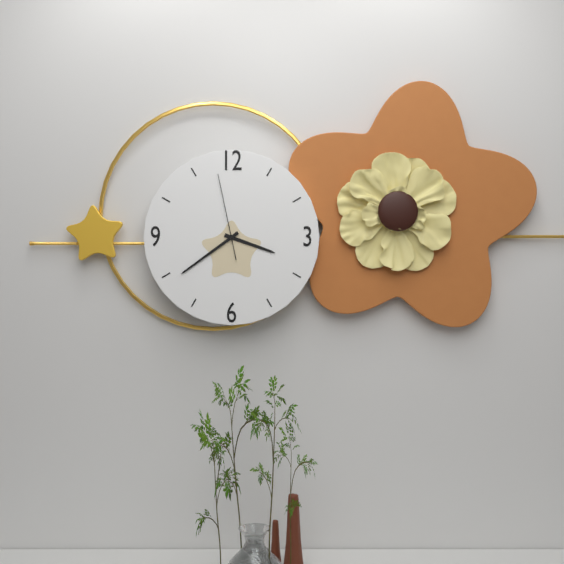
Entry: 3.39.58
